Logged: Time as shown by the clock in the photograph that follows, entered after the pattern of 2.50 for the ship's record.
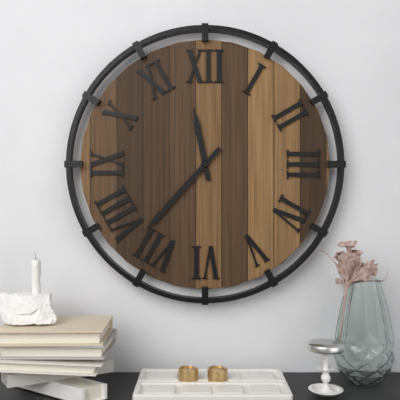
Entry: 11.37
